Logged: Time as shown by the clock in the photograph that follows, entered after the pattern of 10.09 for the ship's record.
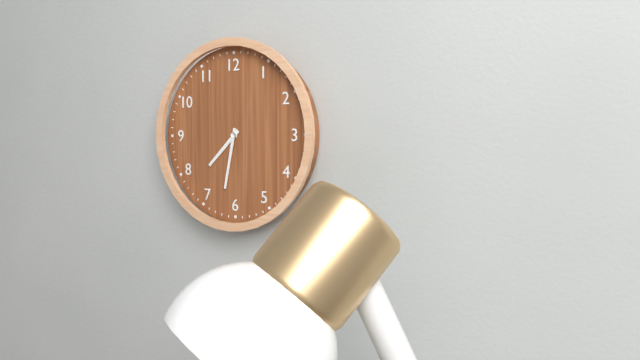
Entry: 7.32
